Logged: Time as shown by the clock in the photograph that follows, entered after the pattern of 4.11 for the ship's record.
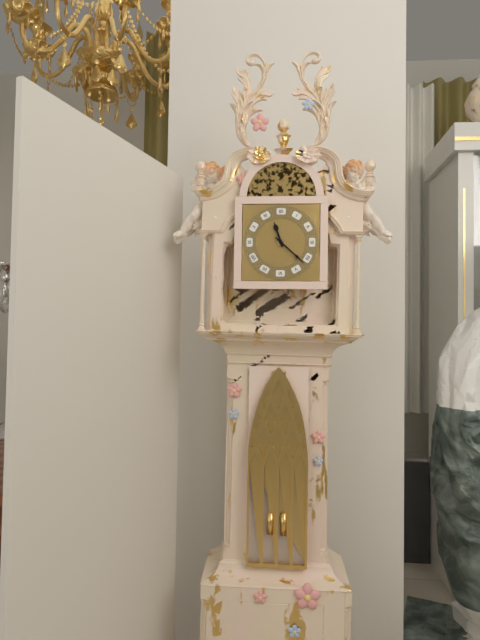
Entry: 11.22
